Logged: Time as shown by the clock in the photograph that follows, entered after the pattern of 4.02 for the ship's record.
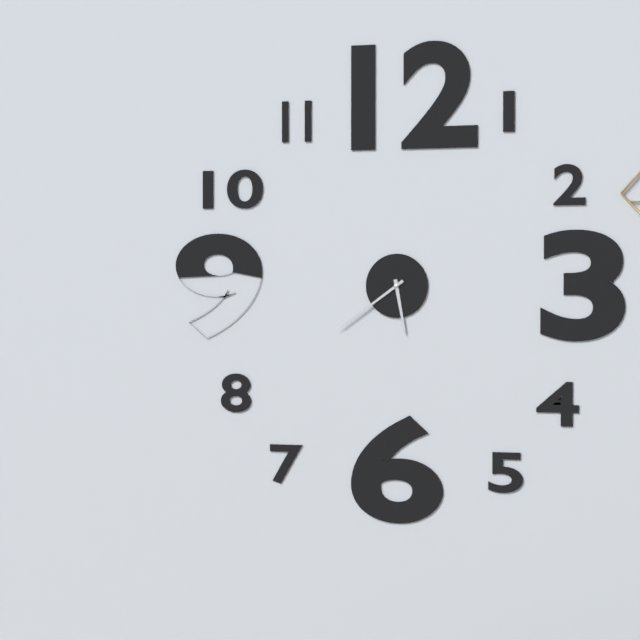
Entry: 5.39
